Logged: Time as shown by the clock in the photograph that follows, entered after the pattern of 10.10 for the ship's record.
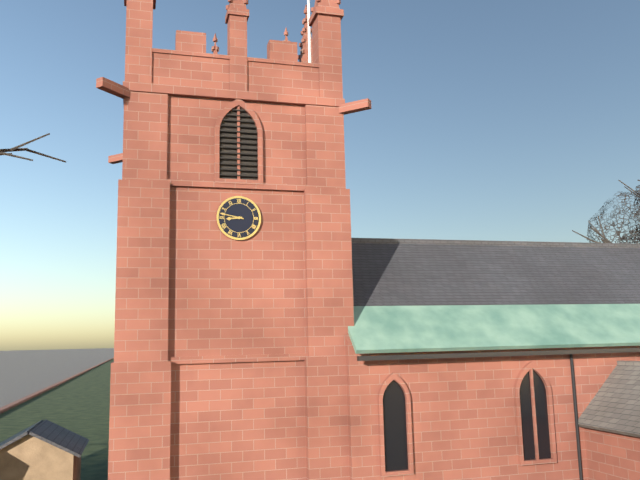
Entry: 8.47
